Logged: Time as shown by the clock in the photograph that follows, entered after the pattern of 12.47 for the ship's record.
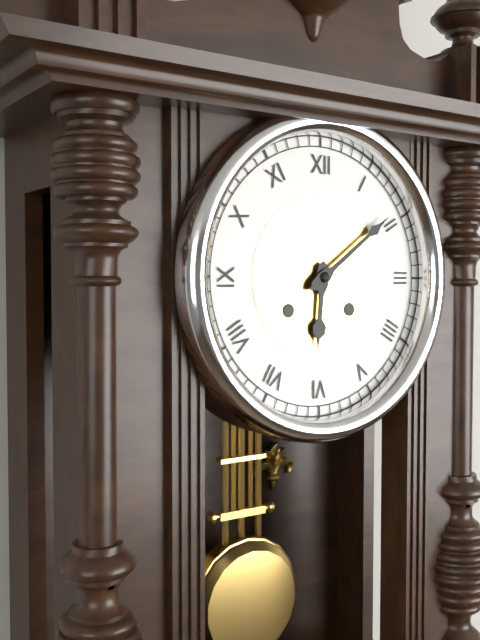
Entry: 6.09
